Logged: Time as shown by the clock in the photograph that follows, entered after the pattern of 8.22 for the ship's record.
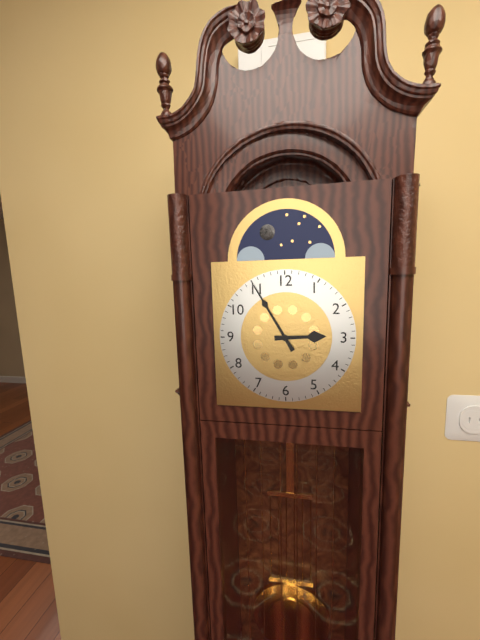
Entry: 2.55
